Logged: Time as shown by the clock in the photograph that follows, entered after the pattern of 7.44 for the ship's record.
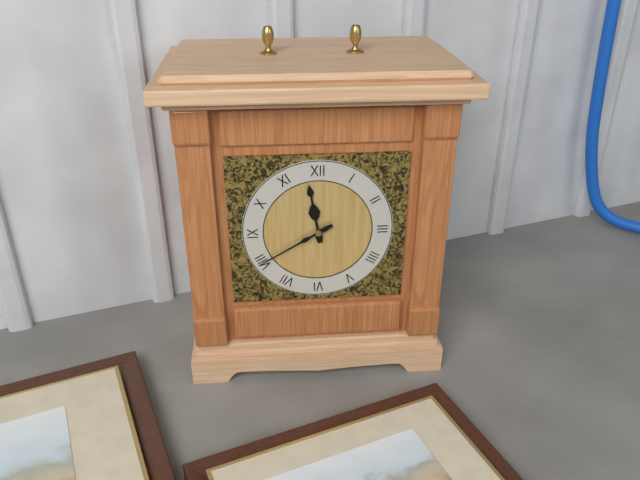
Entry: 11.40
